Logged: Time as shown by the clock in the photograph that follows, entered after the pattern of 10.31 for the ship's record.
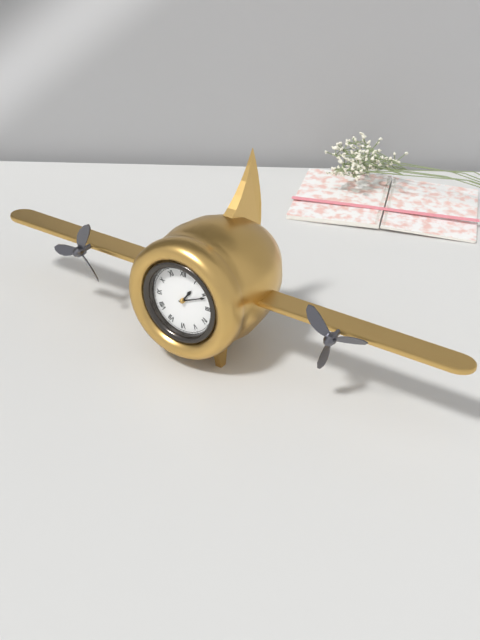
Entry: 1.11
